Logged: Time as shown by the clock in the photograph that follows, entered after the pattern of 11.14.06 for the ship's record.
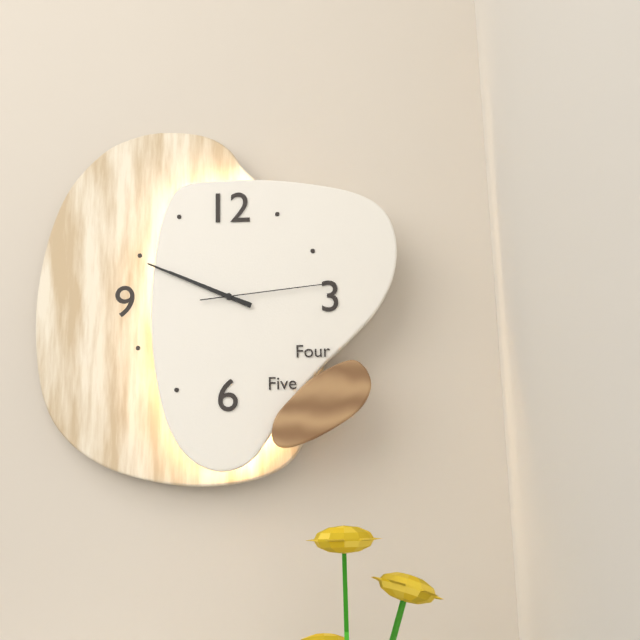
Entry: 9.49.14
